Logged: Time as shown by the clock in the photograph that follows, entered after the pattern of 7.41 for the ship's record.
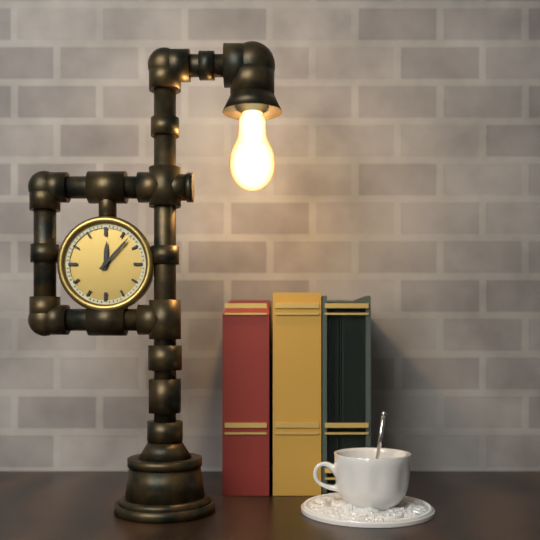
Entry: 12.07
